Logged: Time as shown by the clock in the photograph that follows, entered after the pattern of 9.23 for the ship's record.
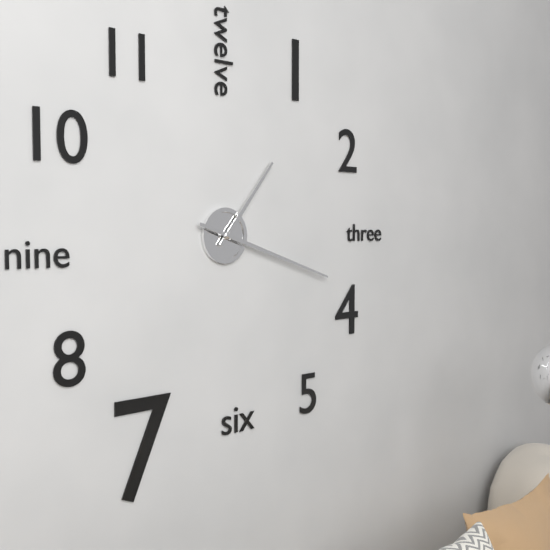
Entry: 1.18
